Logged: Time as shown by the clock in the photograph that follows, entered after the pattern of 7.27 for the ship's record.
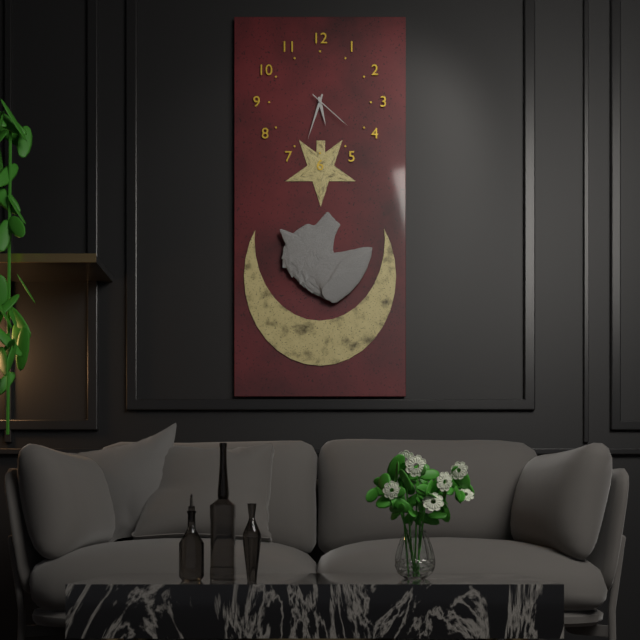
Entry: 5.33
